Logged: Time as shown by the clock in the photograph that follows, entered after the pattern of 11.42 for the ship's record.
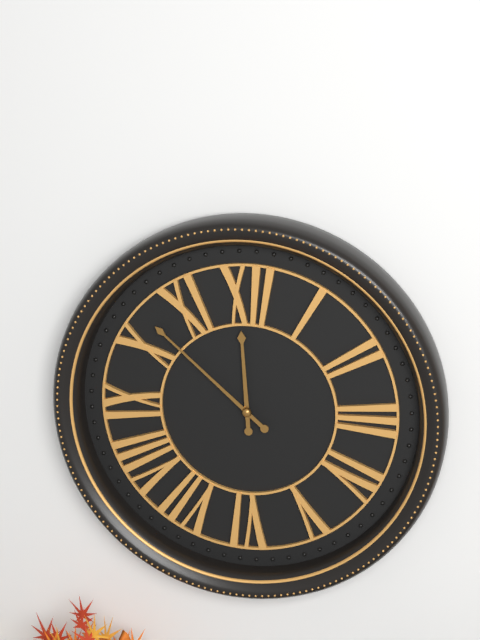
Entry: 11.52
